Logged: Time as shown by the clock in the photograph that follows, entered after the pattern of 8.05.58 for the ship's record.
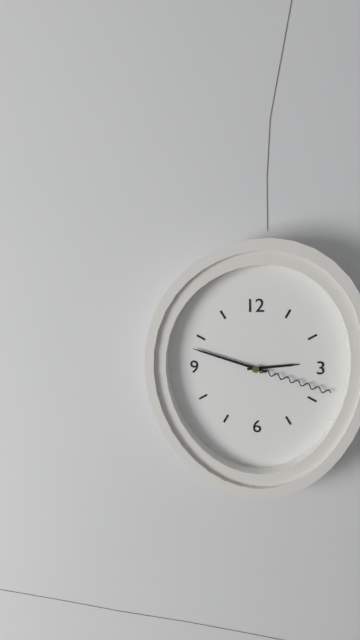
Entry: 2.48.18
